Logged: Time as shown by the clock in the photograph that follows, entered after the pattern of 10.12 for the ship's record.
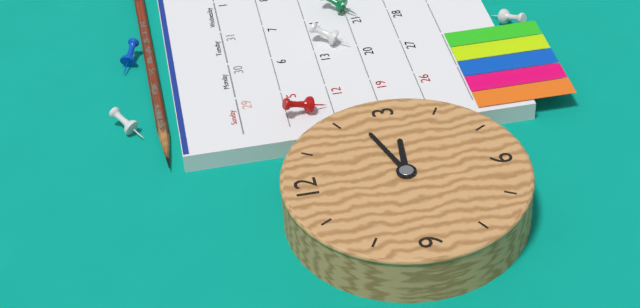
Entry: 3.12
